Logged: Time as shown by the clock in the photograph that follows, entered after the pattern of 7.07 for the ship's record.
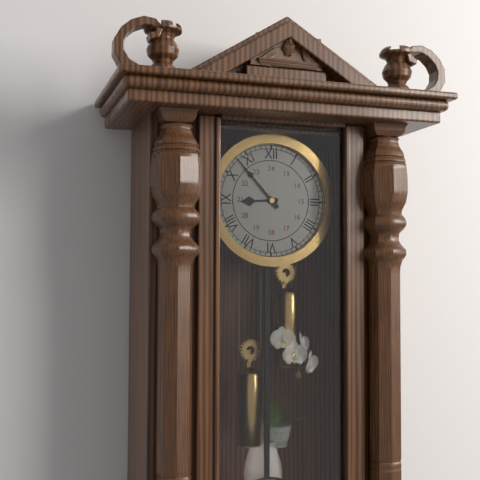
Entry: 8.53
